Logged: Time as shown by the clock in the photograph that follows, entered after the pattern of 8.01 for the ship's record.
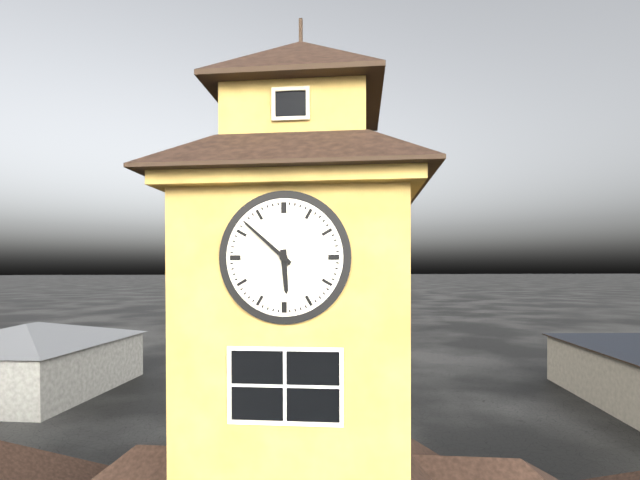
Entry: 5.52
